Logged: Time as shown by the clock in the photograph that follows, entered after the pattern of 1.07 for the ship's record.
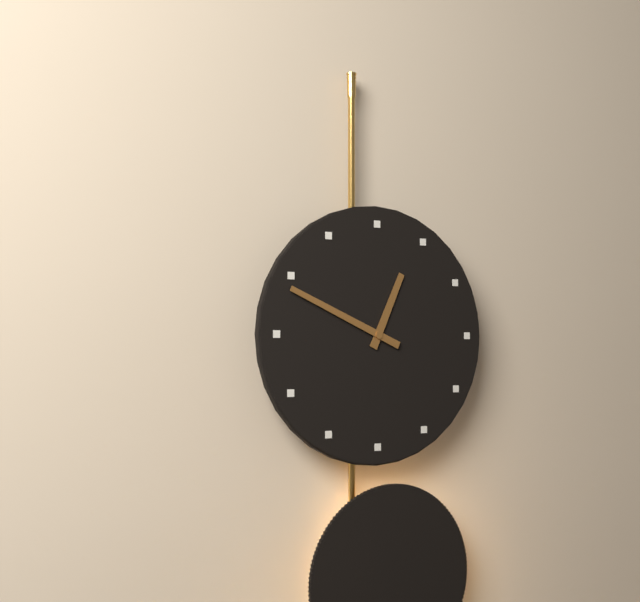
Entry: 12.49
